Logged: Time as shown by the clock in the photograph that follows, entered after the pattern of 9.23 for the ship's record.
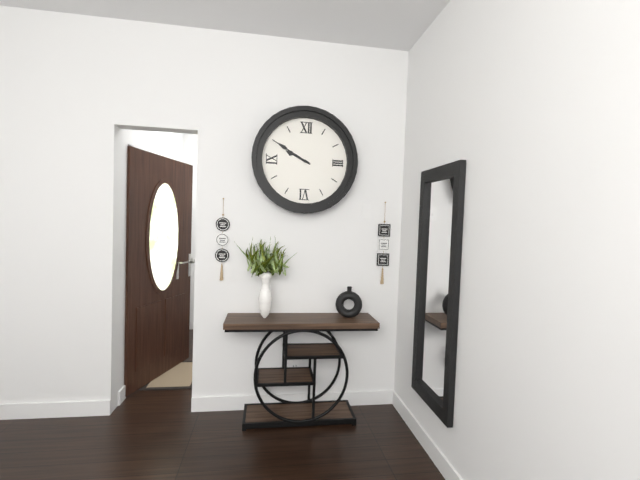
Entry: 9.50
